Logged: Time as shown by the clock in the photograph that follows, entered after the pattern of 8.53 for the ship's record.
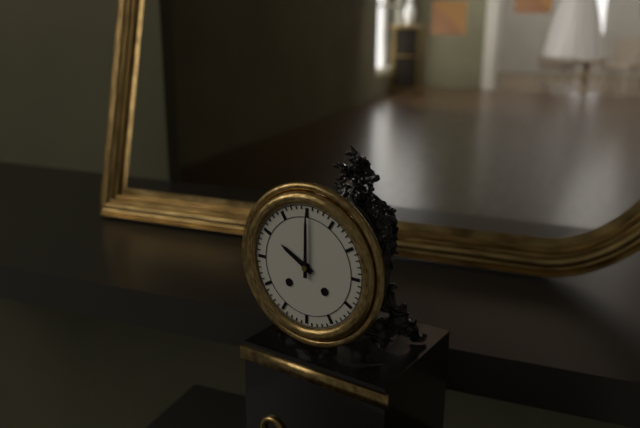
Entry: 10.00
